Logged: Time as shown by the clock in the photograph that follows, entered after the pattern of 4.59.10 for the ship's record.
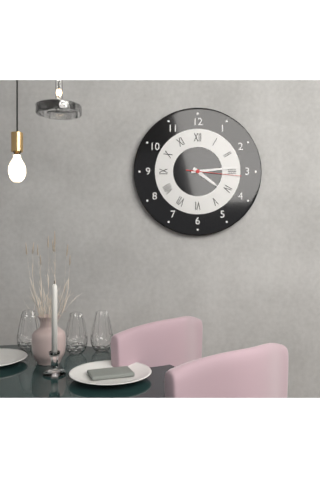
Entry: 4.14.16
